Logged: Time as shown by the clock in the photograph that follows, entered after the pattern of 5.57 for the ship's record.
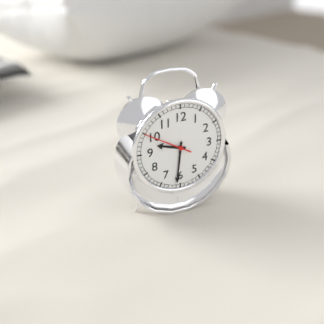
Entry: 9.31
